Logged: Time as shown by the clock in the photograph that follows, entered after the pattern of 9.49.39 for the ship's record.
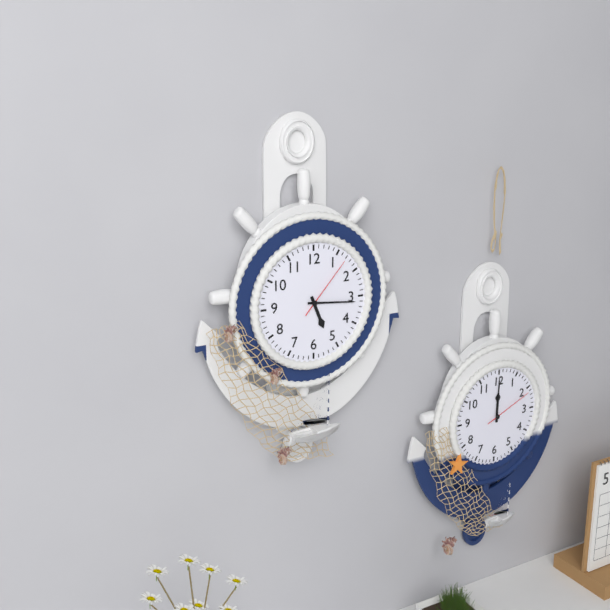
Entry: 5.16.07
